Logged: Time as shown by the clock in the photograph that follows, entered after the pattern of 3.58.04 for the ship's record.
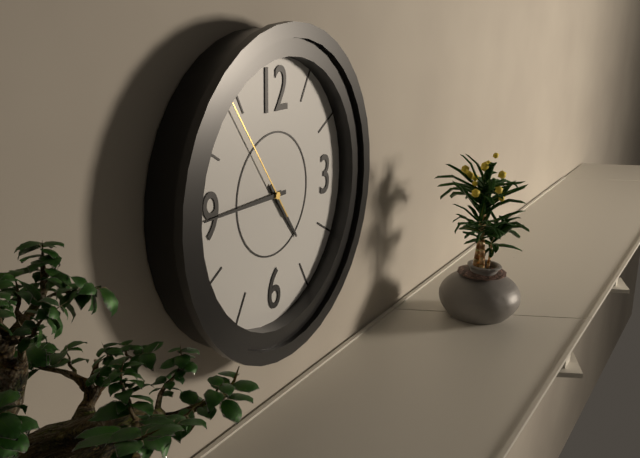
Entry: 4.45.54
